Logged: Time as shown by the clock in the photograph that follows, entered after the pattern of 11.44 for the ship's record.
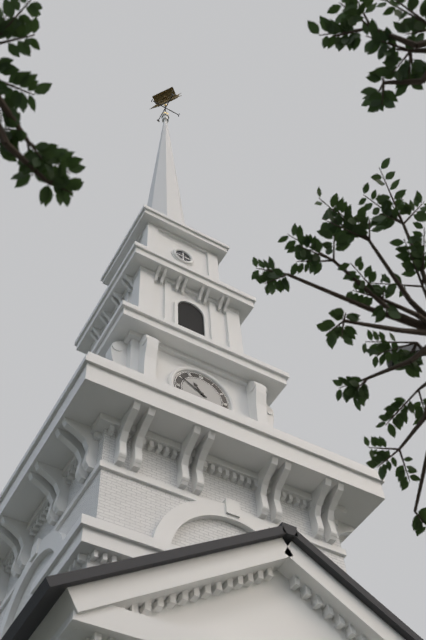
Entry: 10.50
